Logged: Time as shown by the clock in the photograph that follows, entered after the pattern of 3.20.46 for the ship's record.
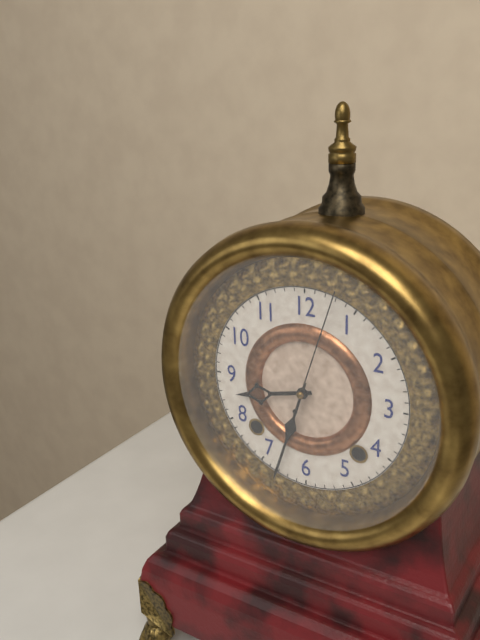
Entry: 8.33.03
